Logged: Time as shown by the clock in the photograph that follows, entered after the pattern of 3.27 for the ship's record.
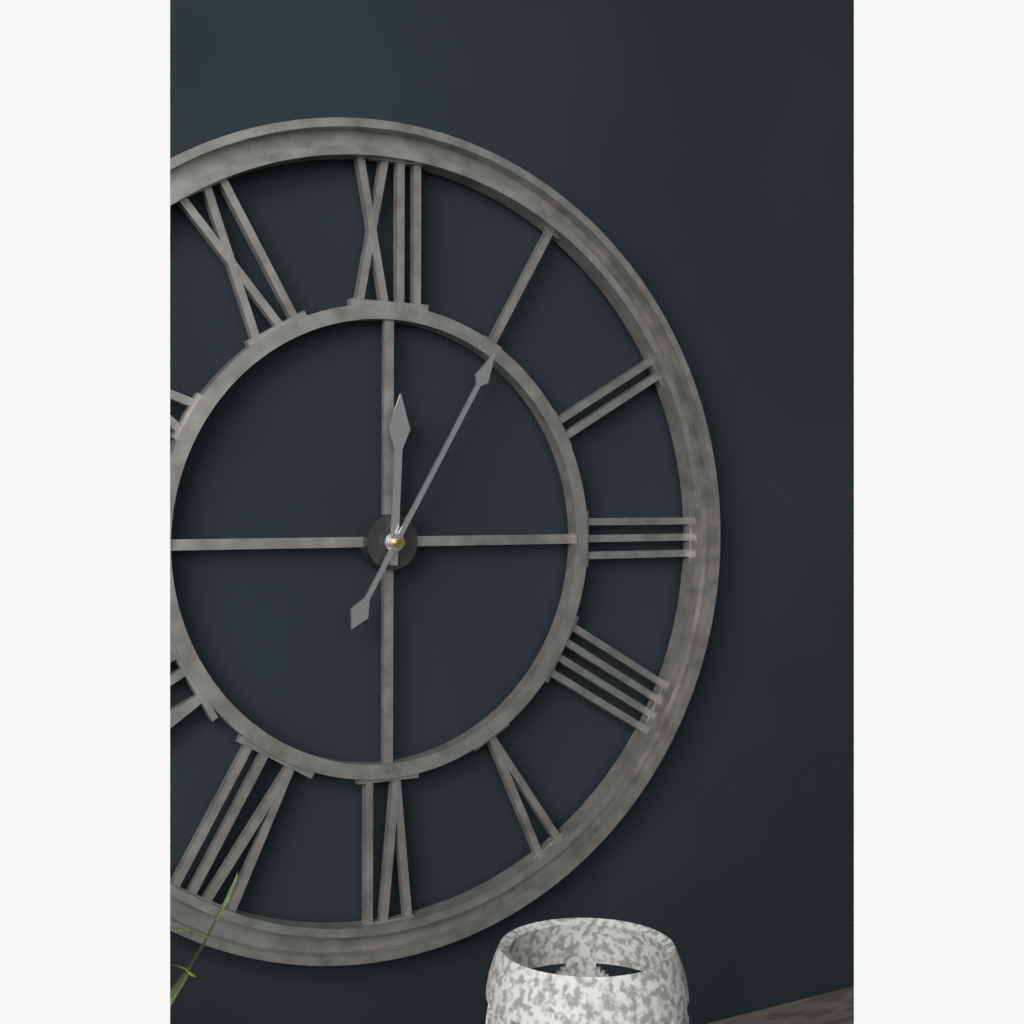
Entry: 12.05
